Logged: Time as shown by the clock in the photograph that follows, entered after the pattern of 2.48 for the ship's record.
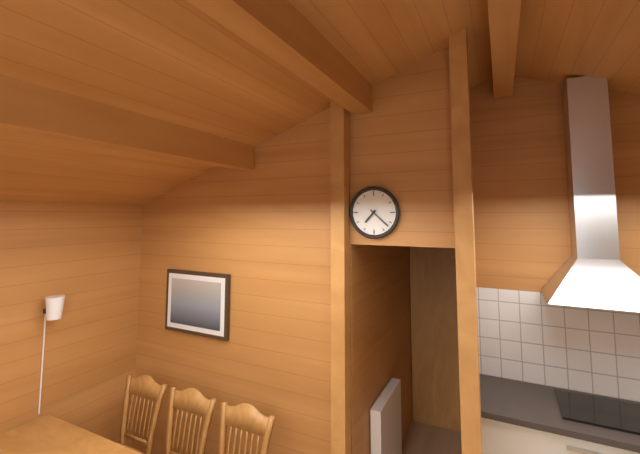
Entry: 7.22
